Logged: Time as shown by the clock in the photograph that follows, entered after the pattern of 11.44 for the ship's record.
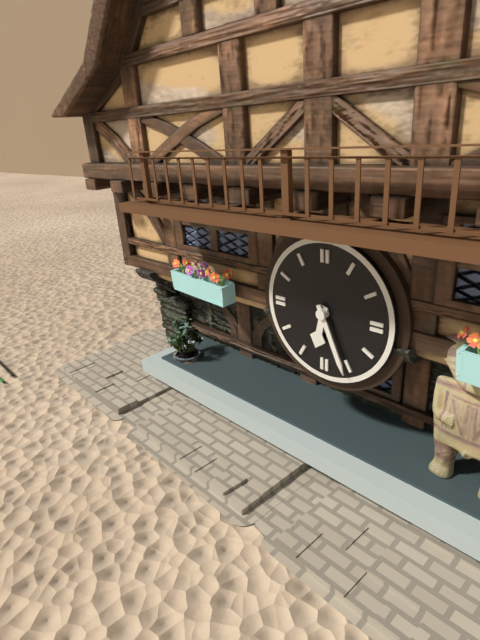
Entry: 6.26
